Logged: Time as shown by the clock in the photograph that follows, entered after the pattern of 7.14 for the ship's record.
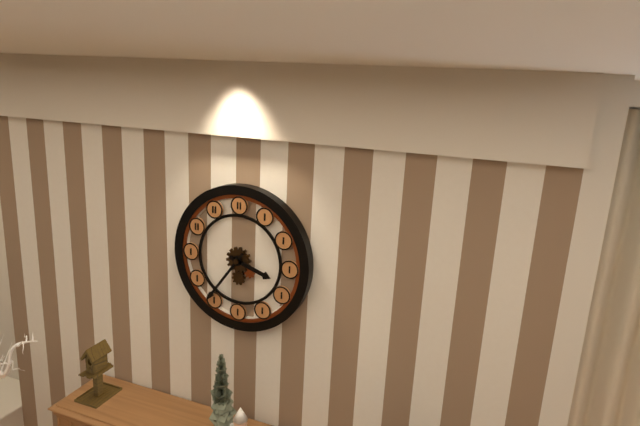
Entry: 3.36
